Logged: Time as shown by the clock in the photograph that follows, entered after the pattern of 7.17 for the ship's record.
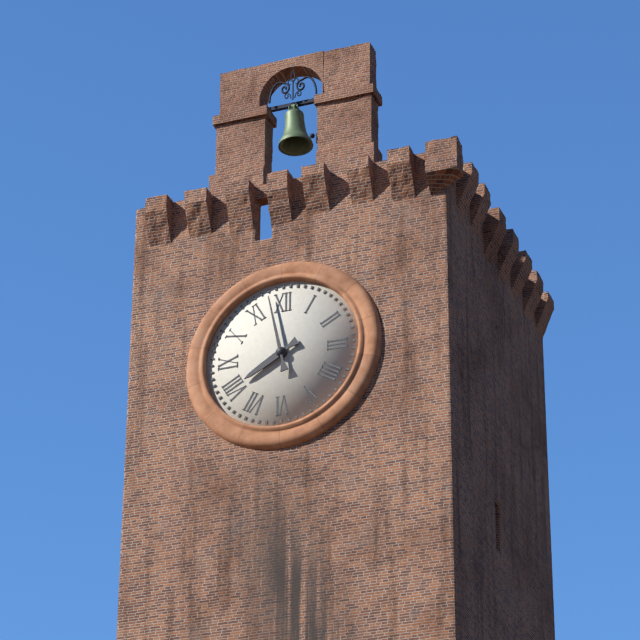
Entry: 7.58
